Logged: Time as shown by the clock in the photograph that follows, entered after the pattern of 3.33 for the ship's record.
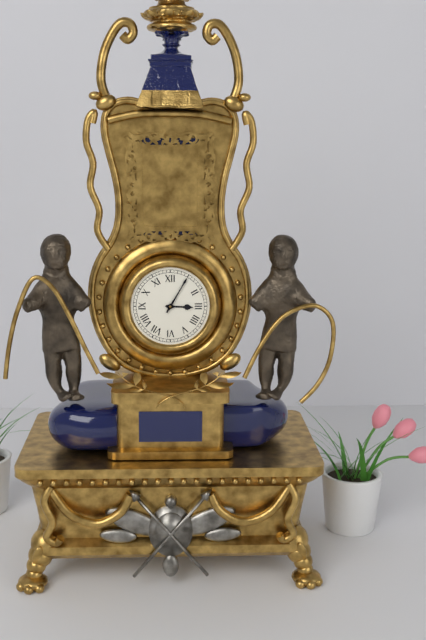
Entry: 3.05
